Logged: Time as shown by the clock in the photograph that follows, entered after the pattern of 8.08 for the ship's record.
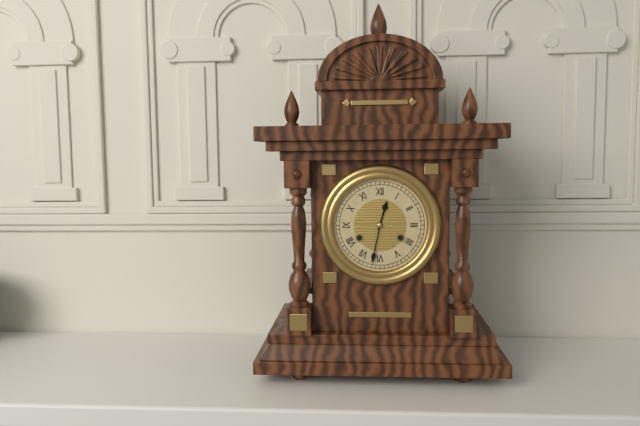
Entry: 12.32
